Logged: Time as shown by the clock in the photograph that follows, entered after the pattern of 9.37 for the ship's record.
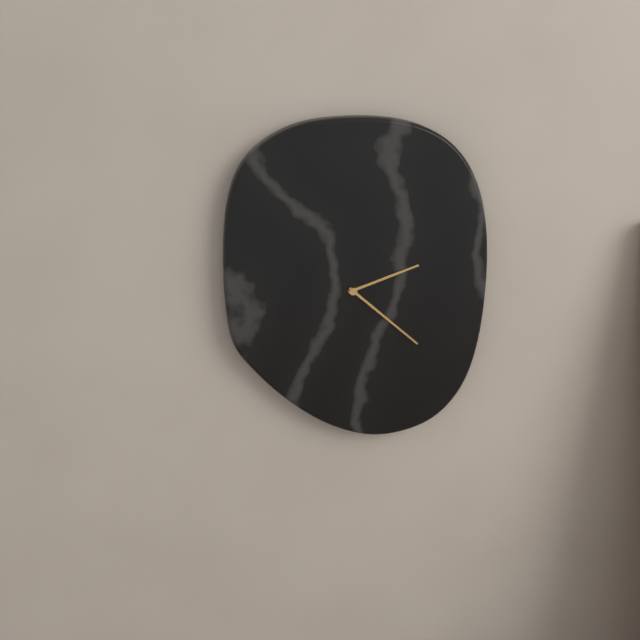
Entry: 2.22
